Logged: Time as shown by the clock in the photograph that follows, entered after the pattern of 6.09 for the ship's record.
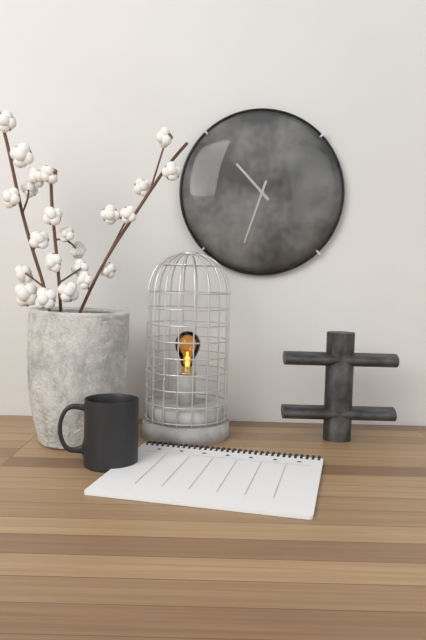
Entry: 10.33
